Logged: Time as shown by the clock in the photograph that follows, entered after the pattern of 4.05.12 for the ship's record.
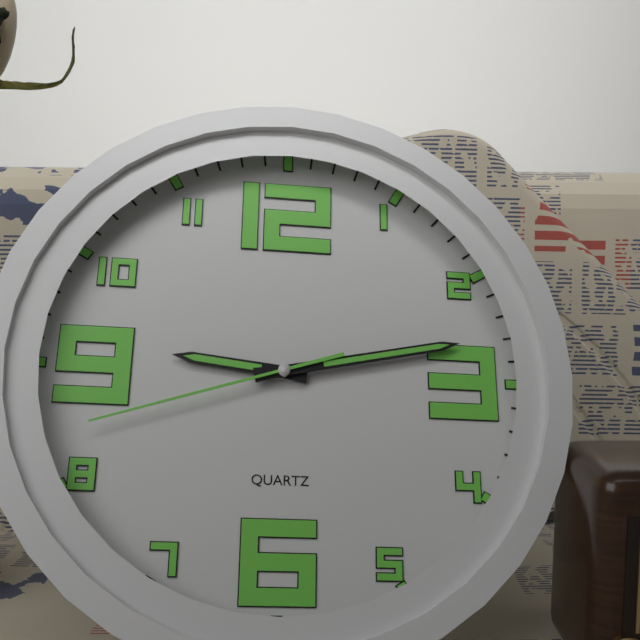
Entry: 9.13.42
